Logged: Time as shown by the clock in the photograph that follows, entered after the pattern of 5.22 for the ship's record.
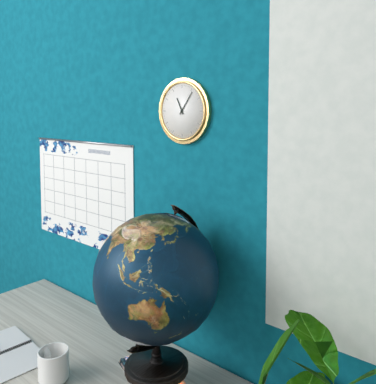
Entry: 11.06
